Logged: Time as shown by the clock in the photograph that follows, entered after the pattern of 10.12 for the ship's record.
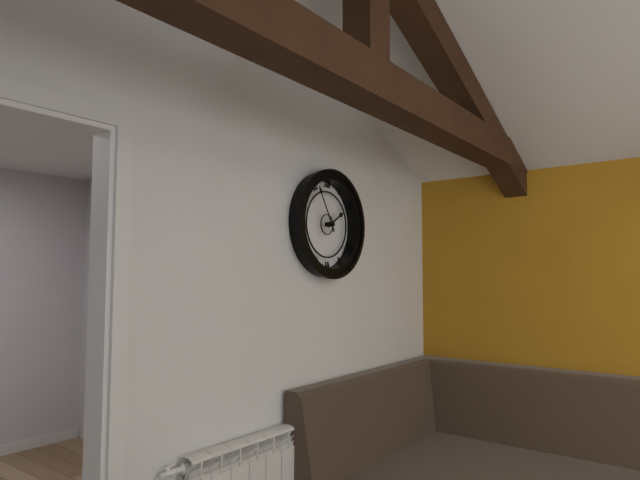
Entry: 1.55
